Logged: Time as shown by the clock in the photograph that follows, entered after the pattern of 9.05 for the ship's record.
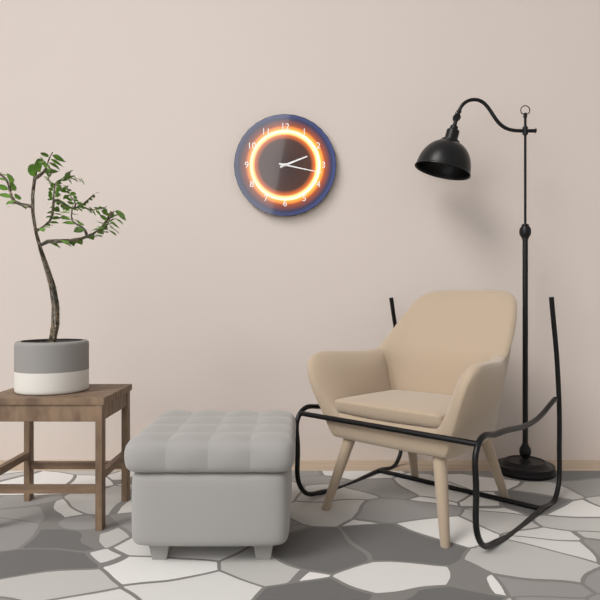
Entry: 2.17
